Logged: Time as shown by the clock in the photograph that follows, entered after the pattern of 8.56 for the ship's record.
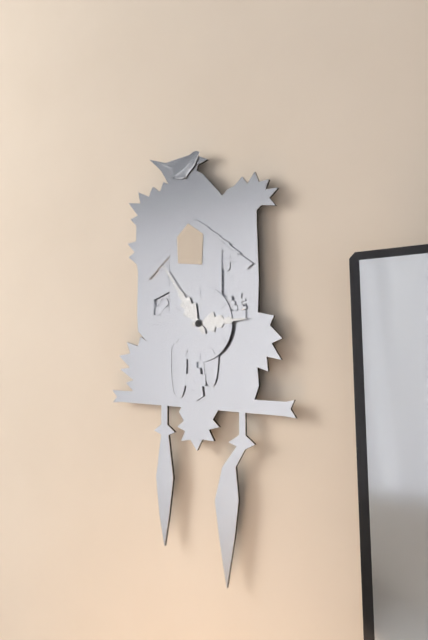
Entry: 2.54
